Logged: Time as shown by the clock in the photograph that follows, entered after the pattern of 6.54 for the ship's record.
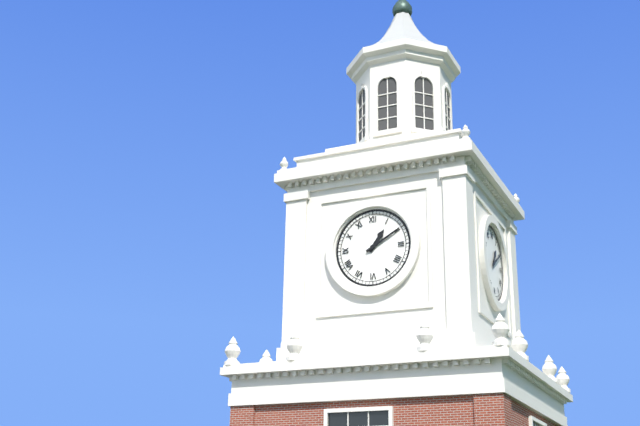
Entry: 1.10
